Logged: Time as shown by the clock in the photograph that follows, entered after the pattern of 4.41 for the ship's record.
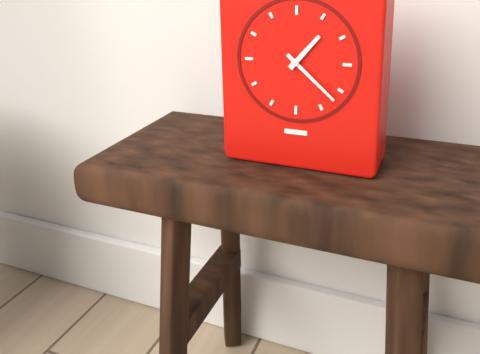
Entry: 1.22
